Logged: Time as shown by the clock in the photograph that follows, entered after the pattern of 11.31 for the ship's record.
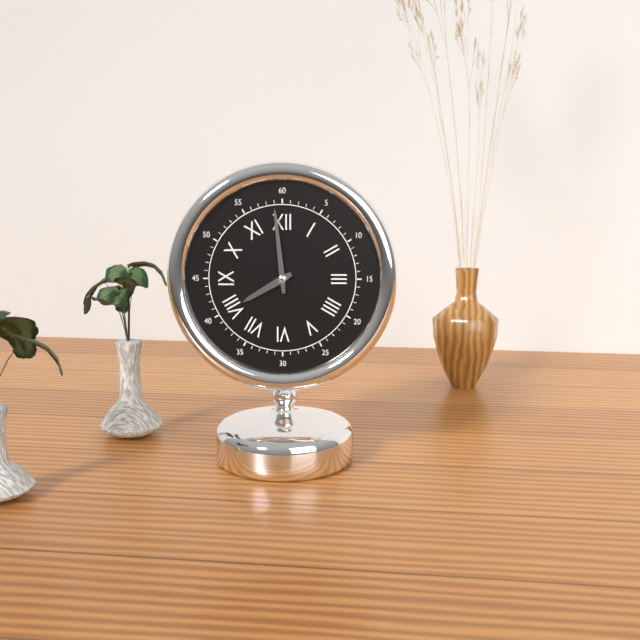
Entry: 7.59
